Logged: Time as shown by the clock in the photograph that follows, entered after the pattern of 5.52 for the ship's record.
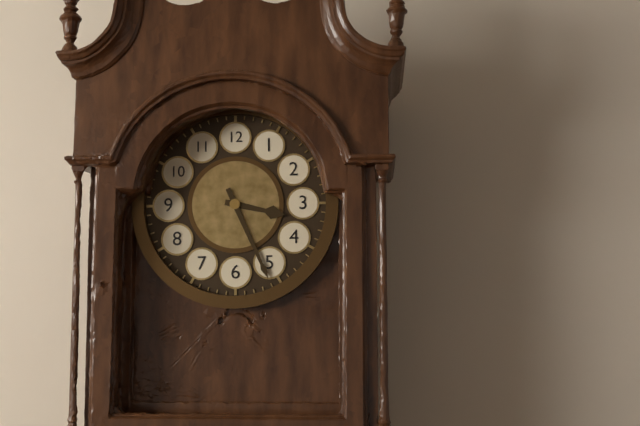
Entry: 3.26
